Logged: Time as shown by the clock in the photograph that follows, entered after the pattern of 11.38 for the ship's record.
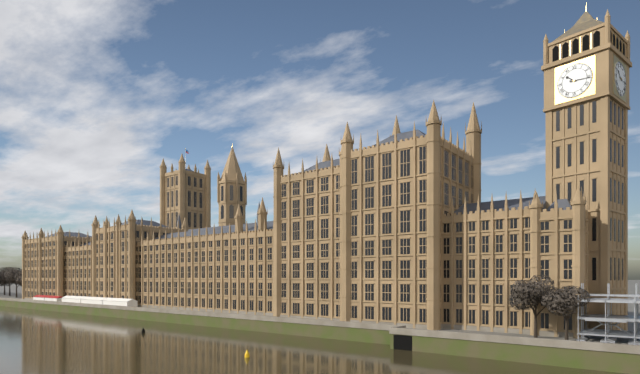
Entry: 10.16
